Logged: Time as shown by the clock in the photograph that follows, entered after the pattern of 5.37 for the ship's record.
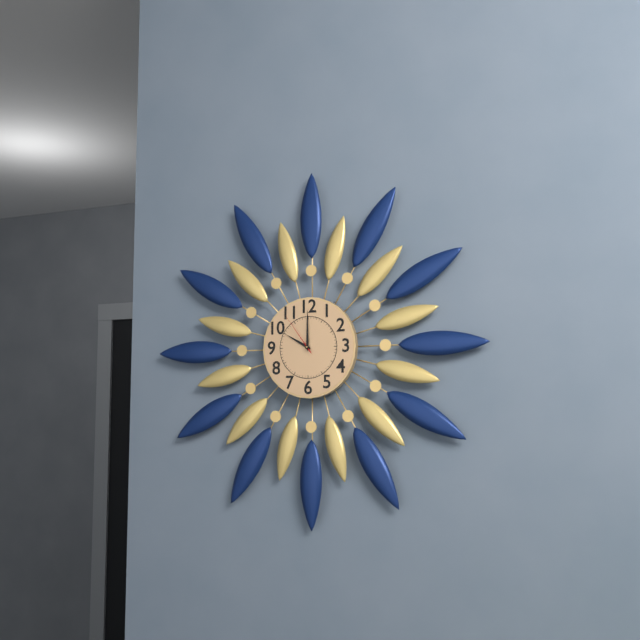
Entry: 10.00
